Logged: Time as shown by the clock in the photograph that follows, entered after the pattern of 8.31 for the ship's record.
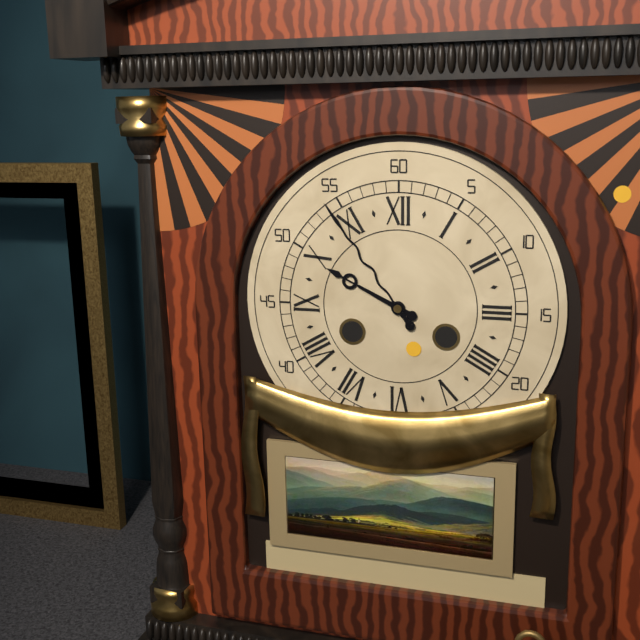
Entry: 9.54
